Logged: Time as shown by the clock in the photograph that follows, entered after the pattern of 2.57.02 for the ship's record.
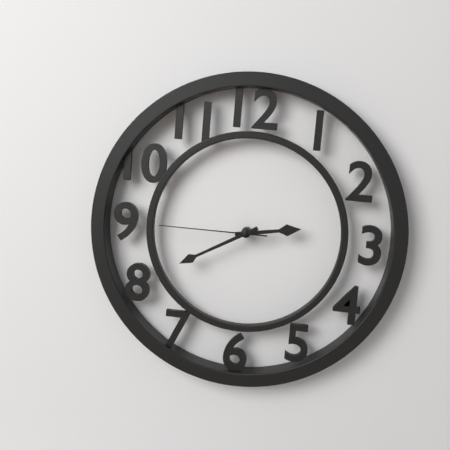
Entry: 2.40.45
